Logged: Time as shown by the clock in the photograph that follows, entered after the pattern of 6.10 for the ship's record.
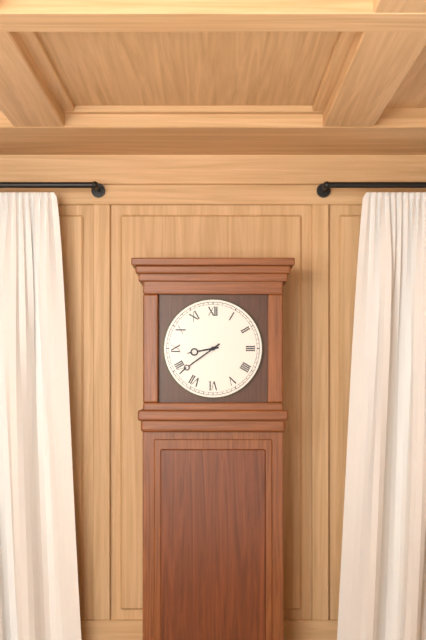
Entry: 8.39
